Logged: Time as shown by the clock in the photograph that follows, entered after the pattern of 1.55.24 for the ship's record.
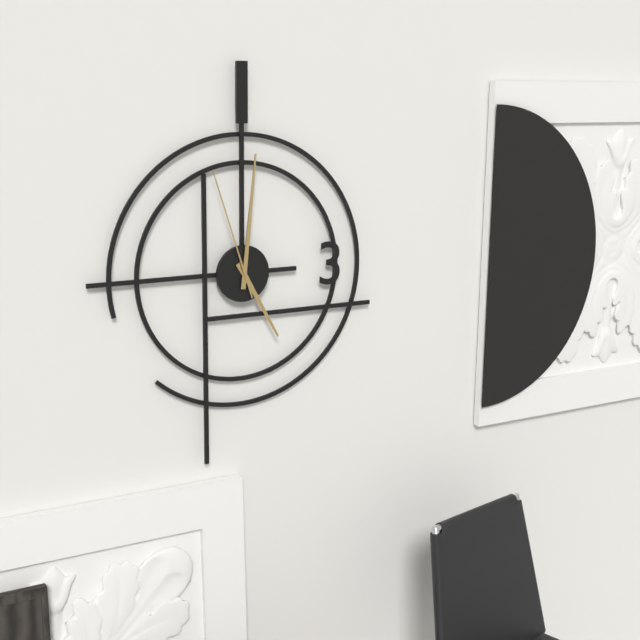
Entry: 5.01.57
